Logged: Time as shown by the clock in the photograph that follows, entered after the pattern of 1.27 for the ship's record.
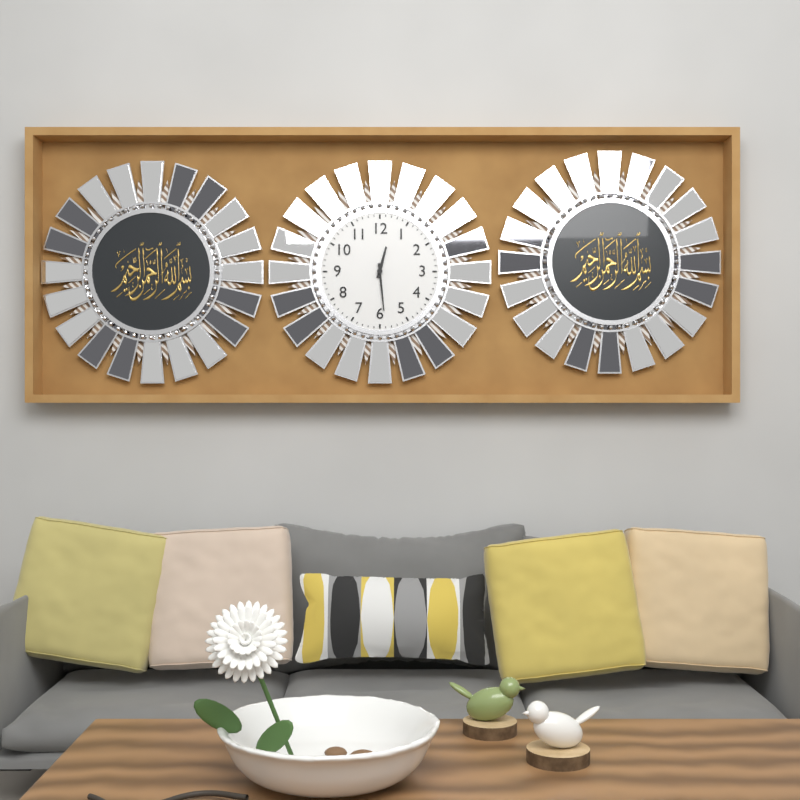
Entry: 12.29
